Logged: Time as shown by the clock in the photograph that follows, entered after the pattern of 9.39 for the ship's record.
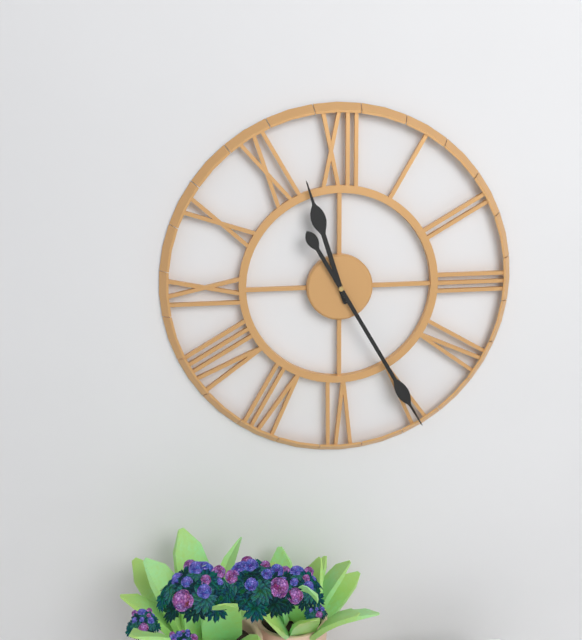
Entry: 11.25
